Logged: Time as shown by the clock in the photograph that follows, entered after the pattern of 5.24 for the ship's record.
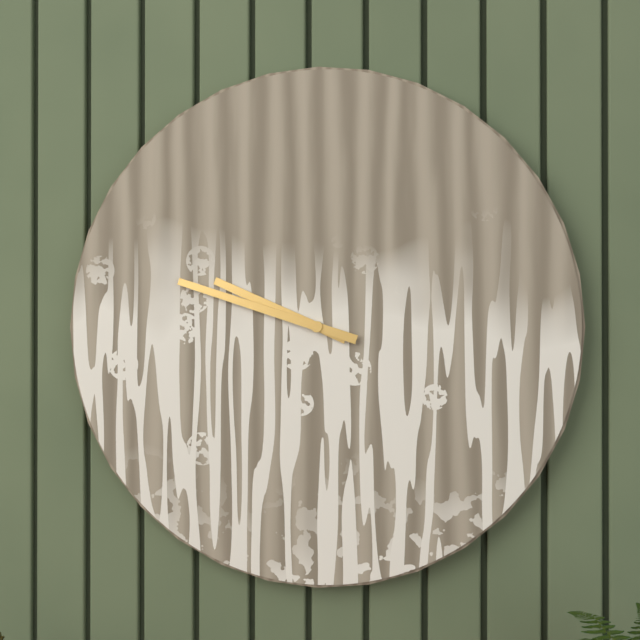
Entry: 9.48
